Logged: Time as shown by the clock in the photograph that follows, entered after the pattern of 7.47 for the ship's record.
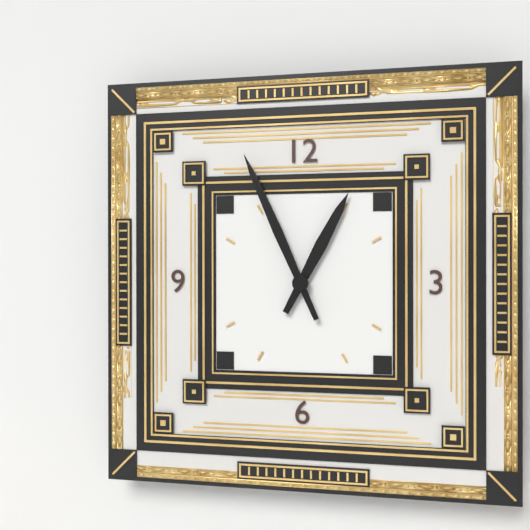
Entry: 12.56
